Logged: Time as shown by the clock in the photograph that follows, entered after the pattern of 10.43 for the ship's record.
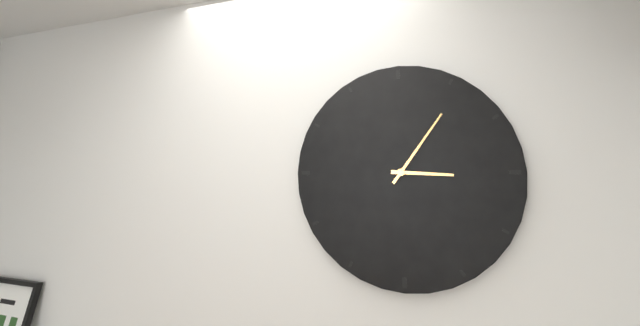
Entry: 3.06
